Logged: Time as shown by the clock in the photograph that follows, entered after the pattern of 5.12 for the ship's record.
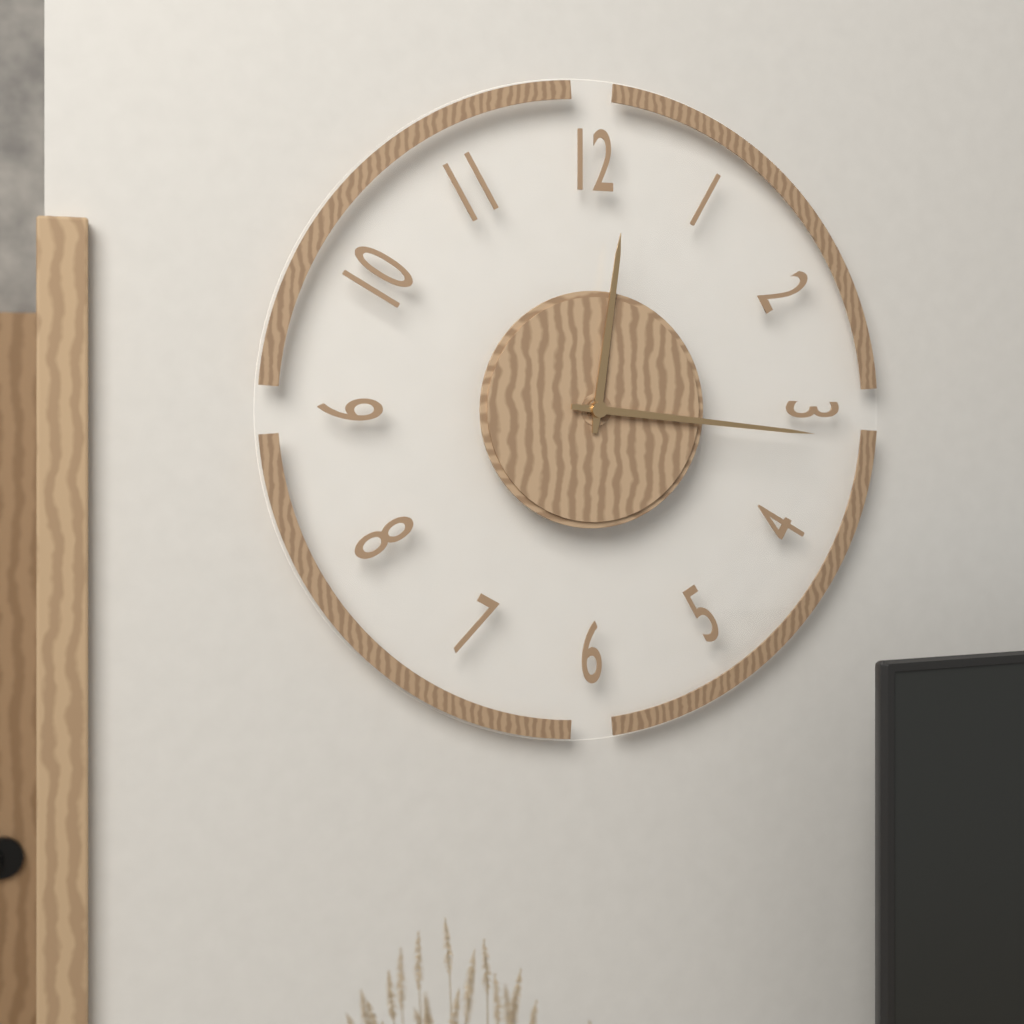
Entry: 12.16
